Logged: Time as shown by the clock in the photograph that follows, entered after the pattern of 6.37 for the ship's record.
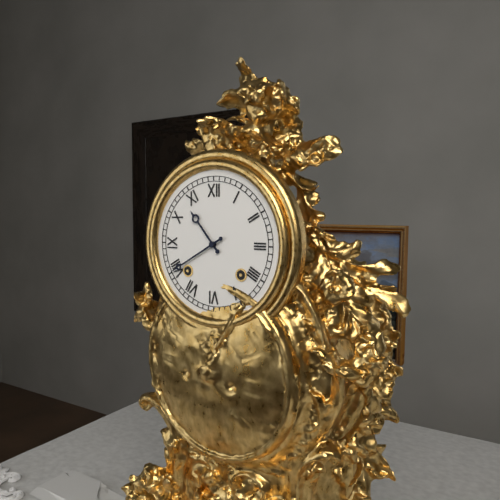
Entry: 10.40
